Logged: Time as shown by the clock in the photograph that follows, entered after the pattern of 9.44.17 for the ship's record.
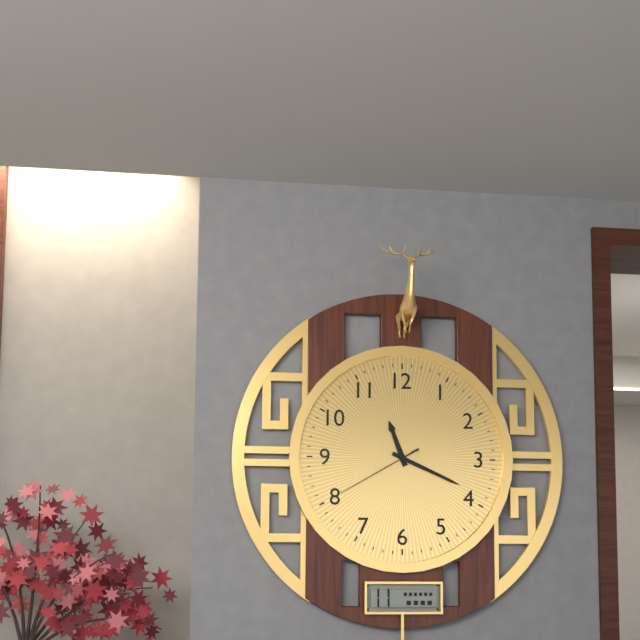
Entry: 11.19.40
